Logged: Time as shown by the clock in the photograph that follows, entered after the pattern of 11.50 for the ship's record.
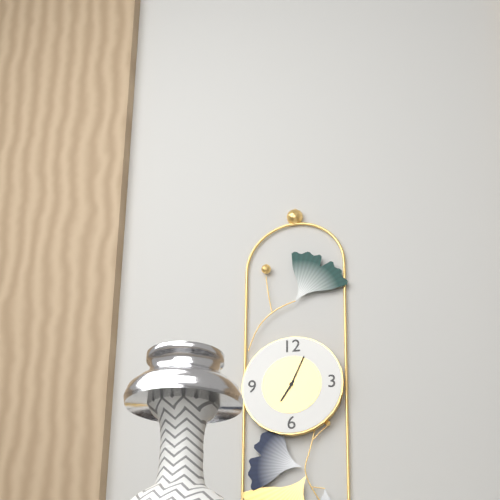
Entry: 7.04
